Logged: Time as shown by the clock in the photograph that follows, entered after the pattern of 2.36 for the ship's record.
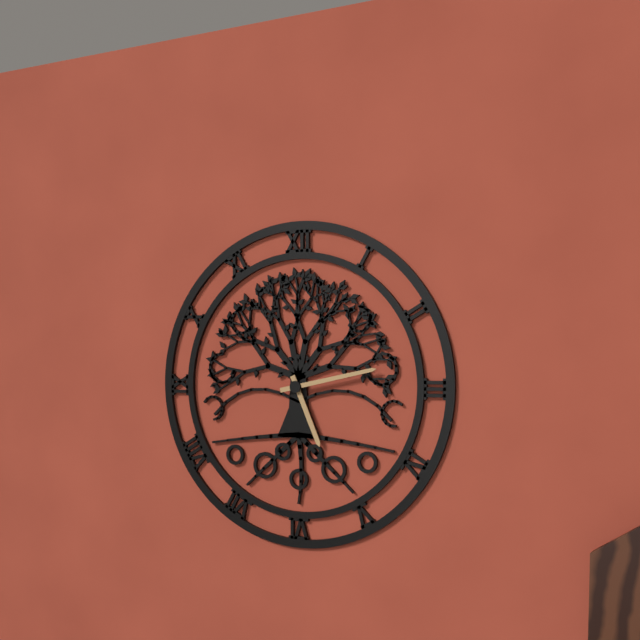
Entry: 5.13
